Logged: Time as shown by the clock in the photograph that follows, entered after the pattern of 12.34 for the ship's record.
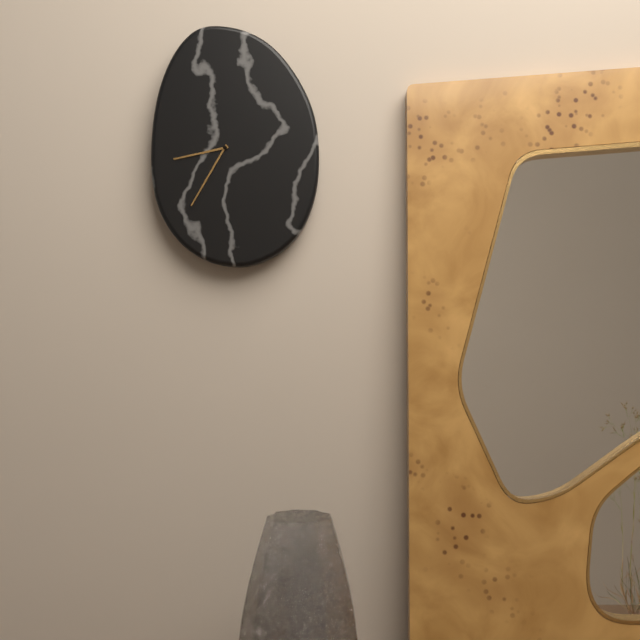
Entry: 8.35
